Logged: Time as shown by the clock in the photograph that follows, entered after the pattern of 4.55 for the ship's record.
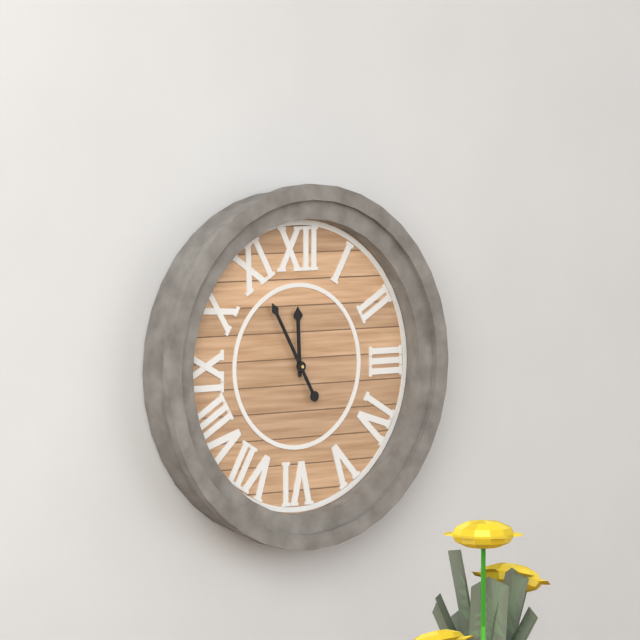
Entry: 11.55
